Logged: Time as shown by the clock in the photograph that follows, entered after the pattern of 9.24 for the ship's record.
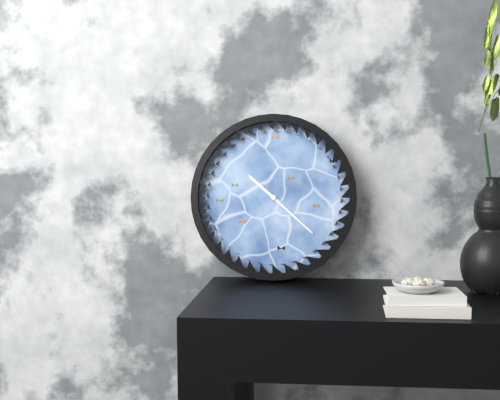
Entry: 10.22
